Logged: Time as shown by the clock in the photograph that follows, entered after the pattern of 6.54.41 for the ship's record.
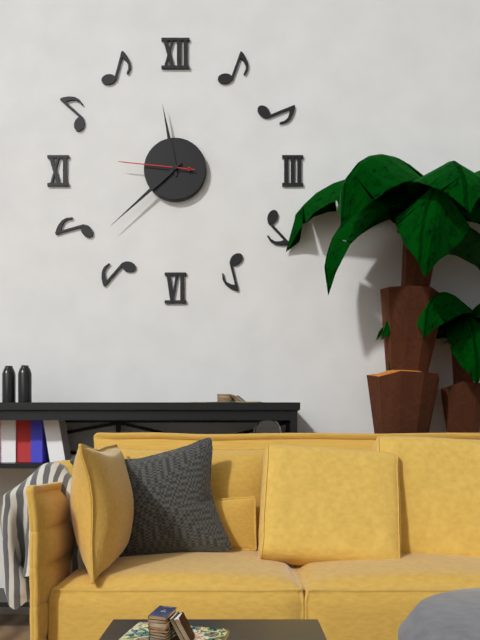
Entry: 11.38.46
